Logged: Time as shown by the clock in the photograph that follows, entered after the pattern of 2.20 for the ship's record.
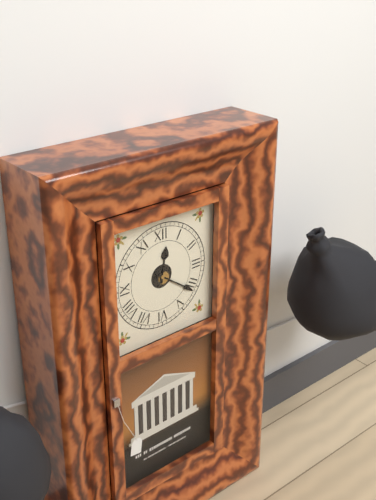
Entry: 12.21
